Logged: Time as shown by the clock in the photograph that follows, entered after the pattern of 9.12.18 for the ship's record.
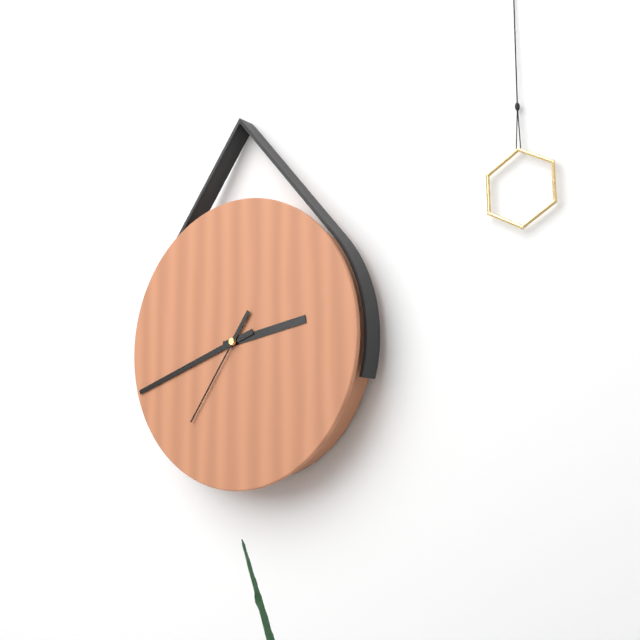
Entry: 2.42.36
